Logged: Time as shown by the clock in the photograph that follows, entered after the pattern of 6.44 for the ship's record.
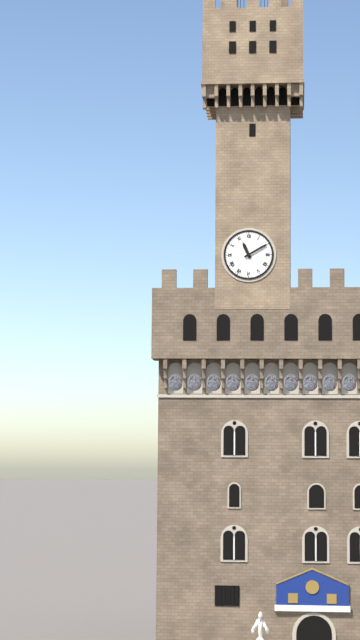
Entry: 11.10
